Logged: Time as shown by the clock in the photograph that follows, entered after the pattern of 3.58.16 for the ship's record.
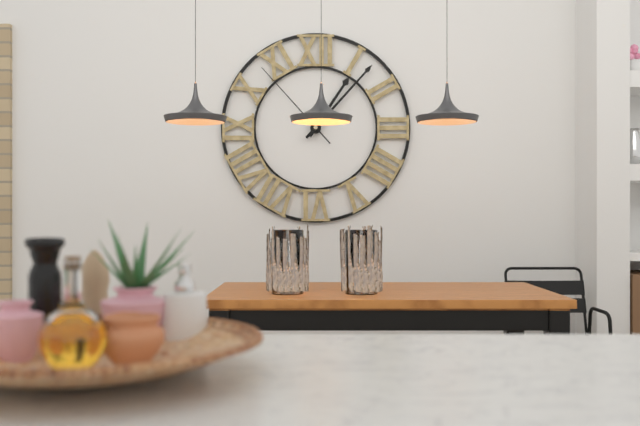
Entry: 1.07.53
